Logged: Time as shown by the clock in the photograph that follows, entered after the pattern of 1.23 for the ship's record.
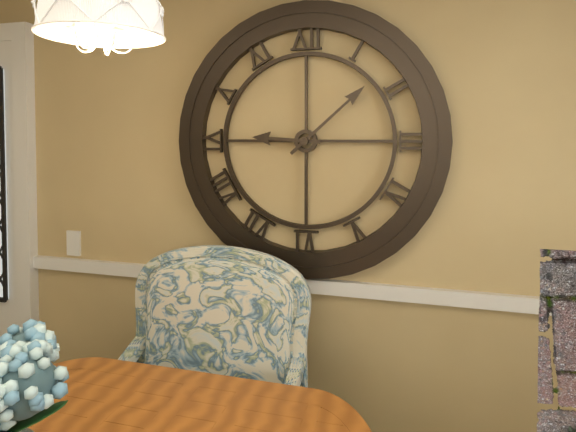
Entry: 9.08
